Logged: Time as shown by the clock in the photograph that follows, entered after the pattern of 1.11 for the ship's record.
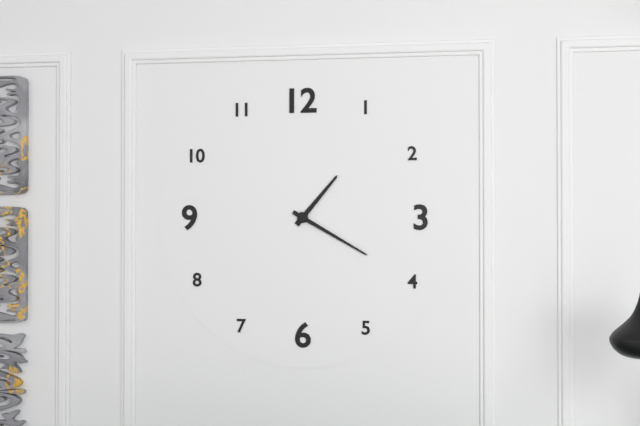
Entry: 1.20
